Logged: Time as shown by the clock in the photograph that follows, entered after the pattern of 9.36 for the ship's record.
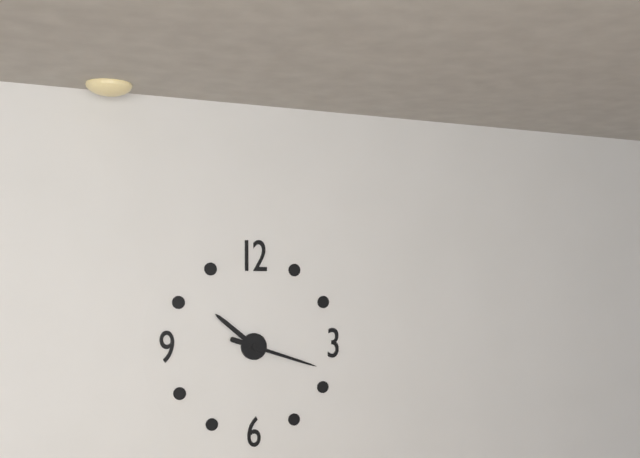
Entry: 10.18
